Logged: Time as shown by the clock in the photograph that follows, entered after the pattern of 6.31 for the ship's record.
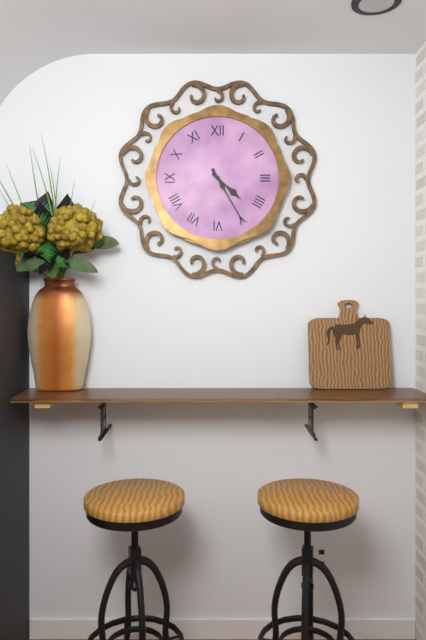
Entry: 4.25
